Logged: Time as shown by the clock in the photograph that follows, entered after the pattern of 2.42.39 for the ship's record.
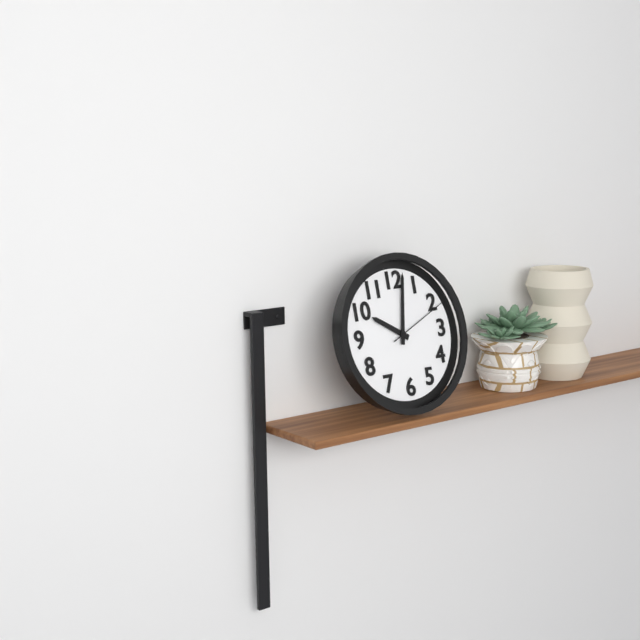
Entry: 10.02.11
